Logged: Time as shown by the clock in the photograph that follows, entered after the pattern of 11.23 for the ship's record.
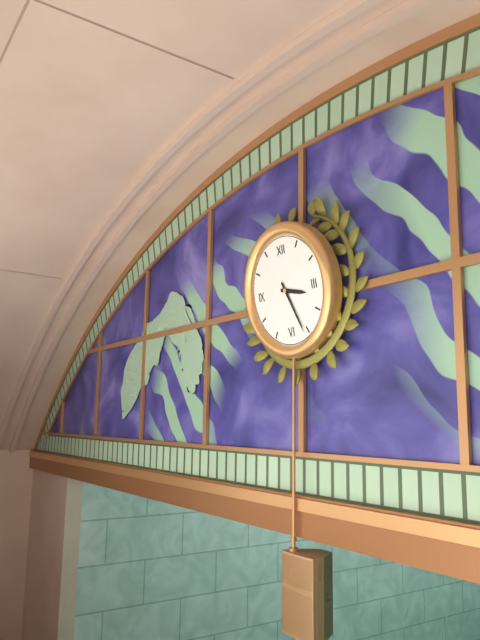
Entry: 3.26
